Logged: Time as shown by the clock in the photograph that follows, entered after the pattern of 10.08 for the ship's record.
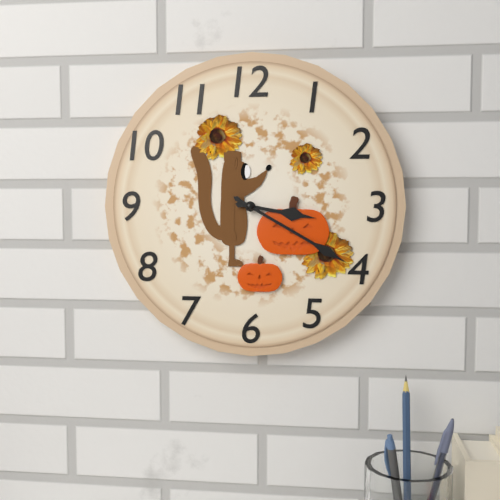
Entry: 3.20
